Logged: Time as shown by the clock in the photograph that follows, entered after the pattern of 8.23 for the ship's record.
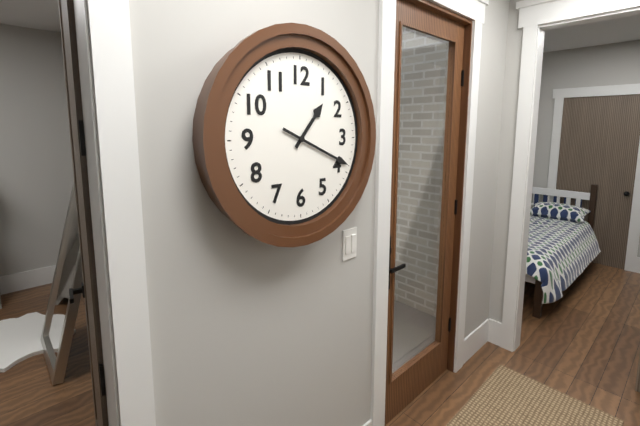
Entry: 1.19
